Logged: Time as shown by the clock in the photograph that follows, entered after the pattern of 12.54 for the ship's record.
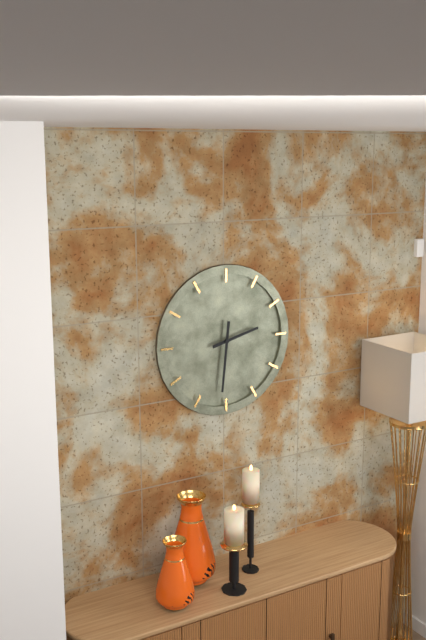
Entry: 2.31
